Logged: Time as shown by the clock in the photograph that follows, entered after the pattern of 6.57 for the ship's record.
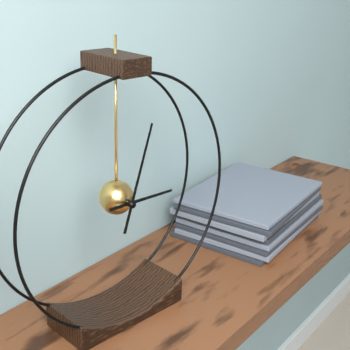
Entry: 3.03
